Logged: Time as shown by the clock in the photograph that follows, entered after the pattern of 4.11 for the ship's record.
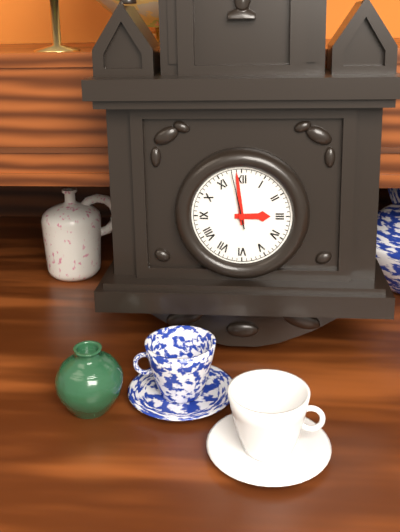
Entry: 2.59
